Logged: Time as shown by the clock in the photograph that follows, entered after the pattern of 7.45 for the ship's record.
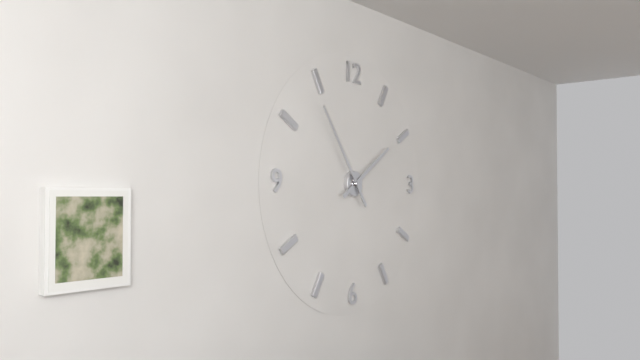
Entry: 1.54
